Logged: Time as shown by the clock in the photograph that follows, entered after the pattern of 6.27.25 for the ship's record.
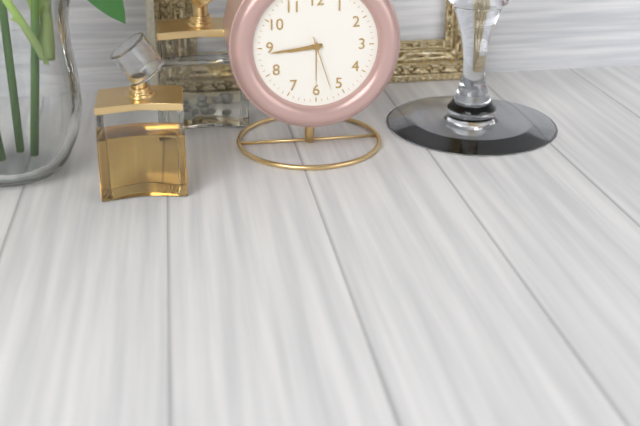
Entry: 8.44.27
